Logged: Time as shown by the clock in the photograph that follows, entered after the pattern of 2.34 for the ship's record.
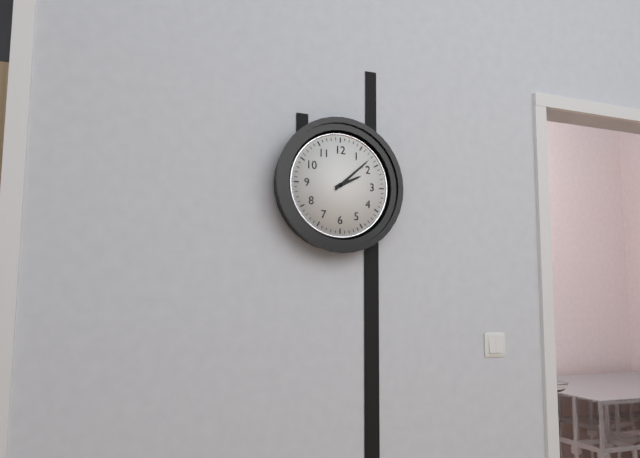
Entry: 2.08
